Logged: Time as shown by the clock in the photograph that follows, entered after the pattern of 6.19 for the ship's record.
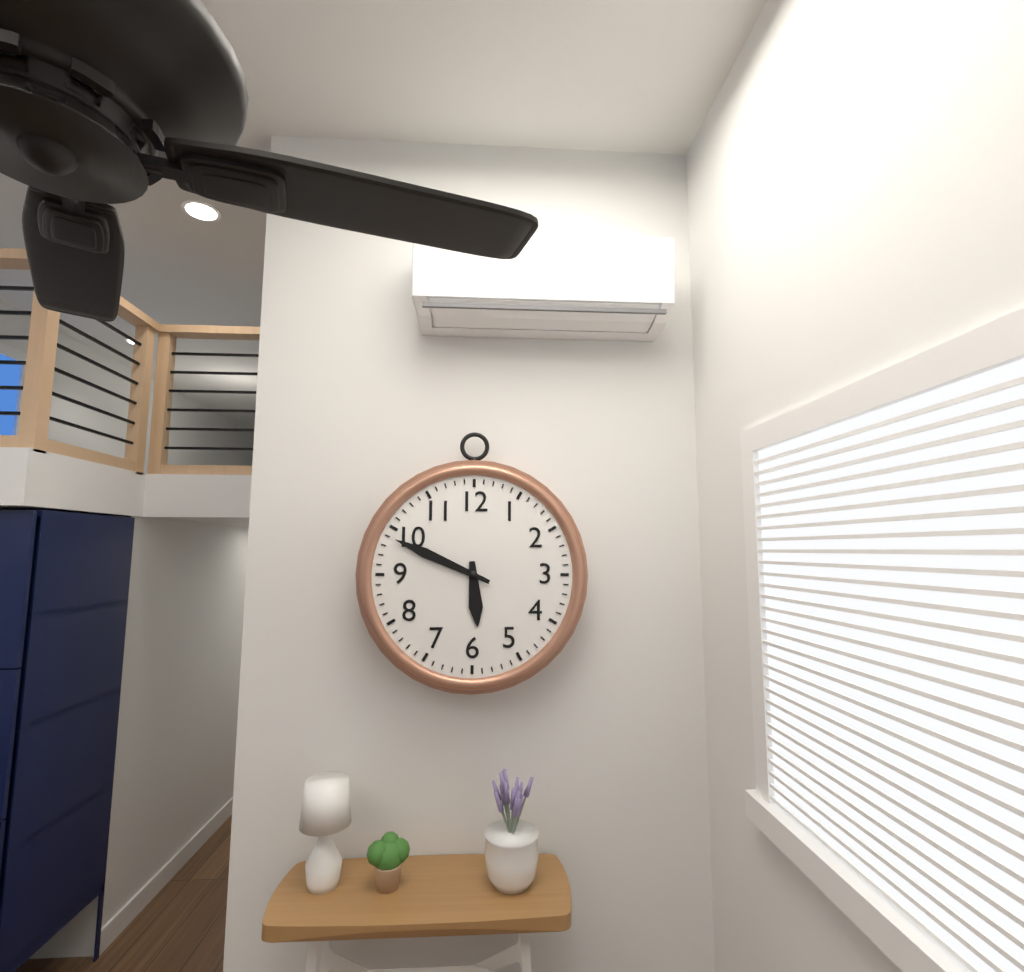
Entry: 5.49
